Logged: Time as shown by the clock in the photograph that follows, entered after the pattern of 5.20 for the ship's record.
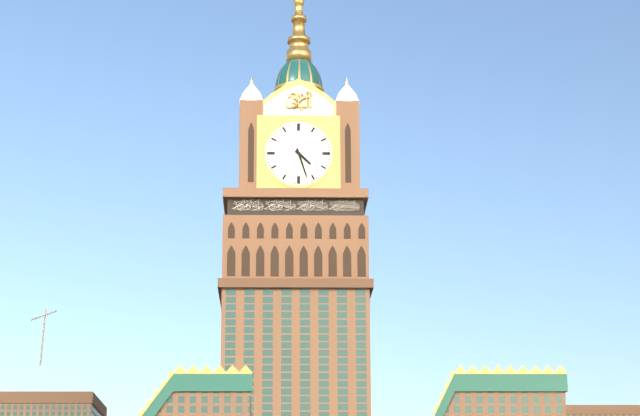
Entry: 4.27
